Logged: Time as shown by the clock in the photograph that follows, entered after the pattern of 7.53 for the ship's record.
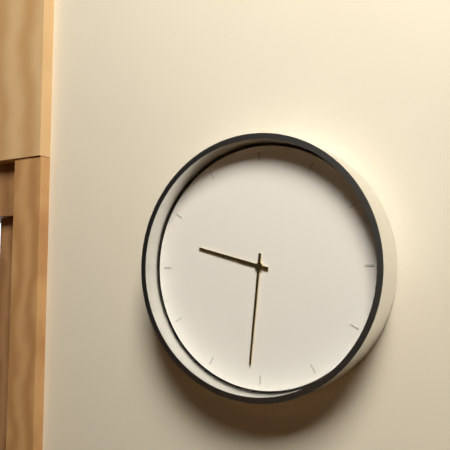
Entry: 9.31
